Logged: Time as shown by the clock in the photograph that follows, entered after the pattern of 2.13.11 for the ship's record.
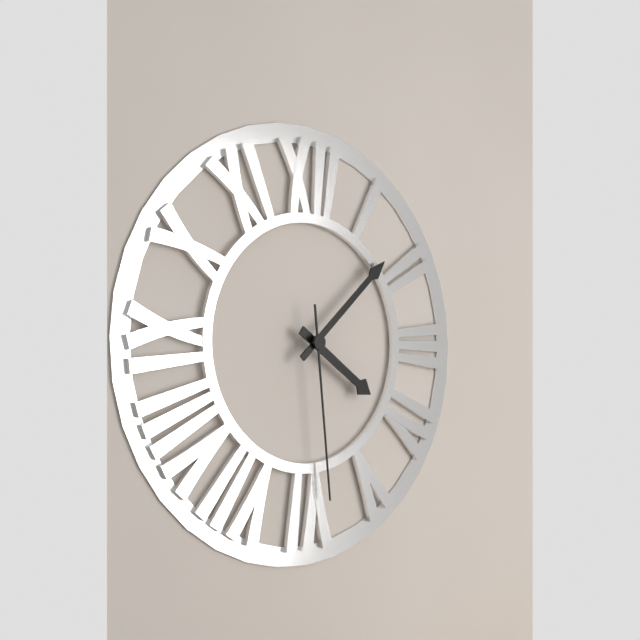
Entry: 4.08.29
